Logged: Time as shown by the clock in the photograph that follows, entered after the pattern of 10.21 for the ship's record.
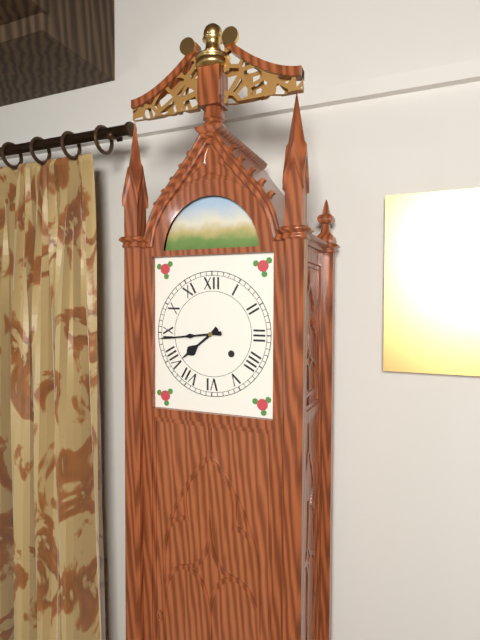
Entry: 7.44
